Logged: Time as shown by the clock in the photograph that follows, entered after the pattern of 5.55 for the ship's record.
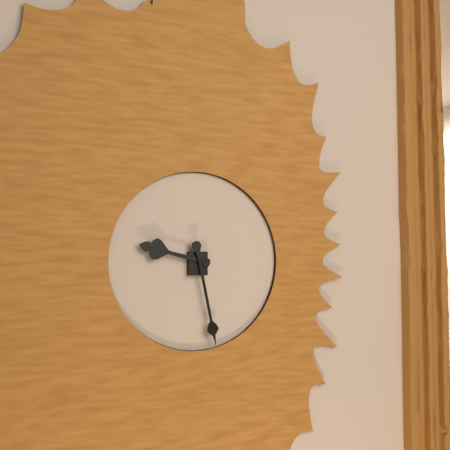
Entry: 9.28
